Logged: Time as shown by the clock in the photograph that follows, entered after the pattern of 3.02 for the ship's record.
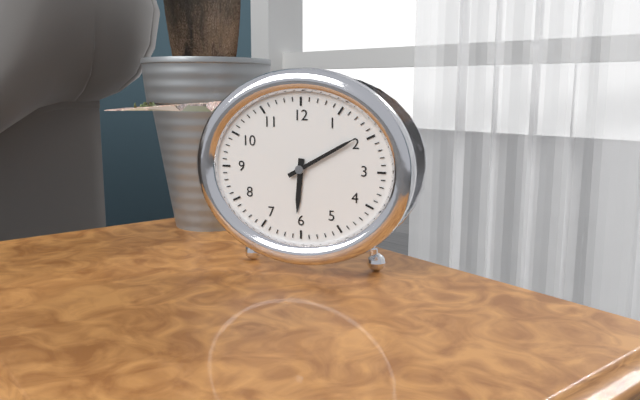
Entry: 6.10
